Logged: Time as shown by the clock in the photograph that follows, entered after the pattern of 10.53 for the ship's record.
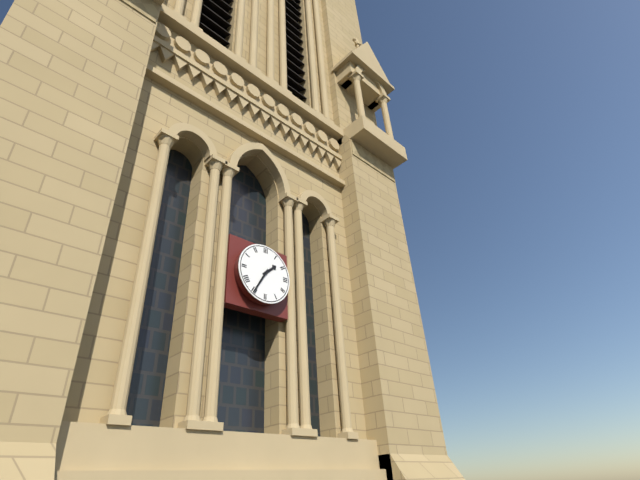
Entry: 1.35
